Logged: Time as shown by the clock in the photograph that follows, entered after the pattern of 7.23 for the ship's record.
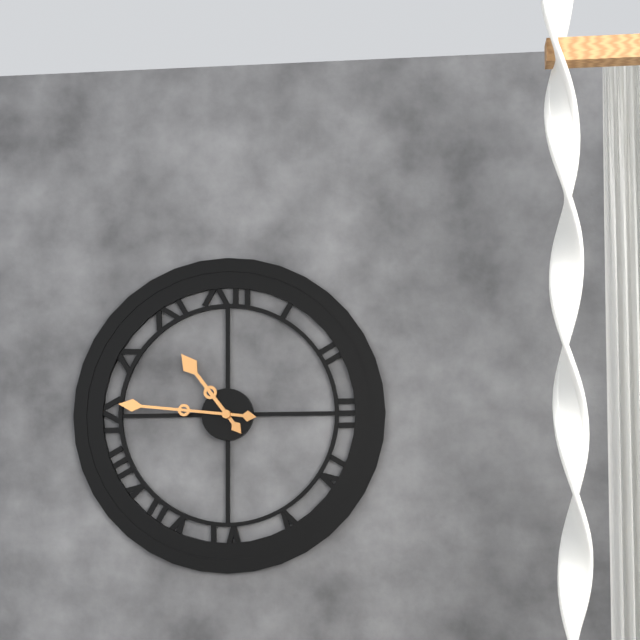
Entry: 10.46
